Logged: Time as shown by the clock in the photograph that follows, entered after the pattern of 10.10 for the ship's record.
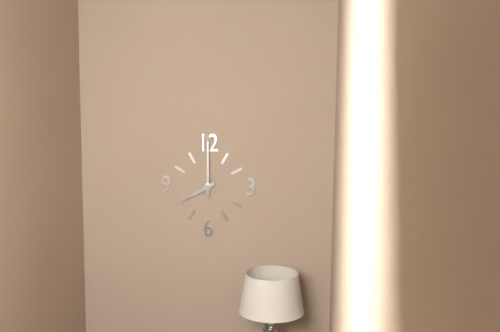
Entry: 8.00
